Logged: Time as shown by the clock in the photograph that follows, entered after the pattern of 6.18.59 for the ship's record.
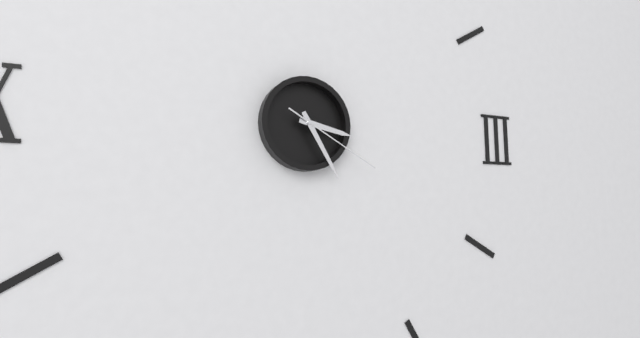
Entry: 3.25.20
